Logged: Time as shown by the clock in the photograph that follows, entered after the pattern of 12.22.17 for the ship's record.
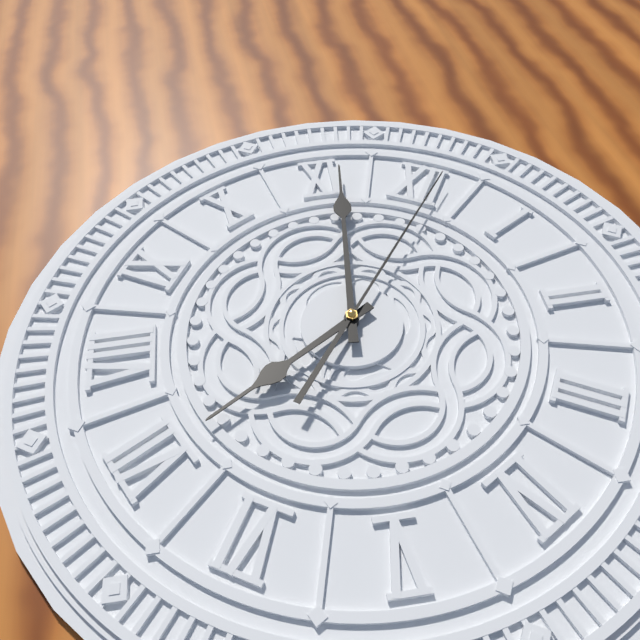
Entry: 6.56.01
